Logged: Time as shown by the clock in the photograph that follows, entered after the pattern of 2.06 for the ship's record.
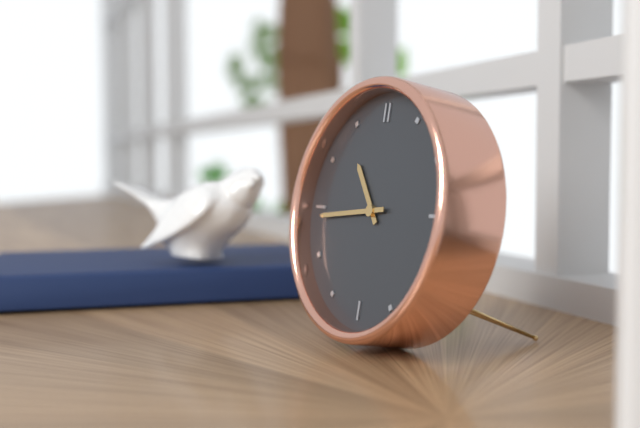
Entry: 10.44
